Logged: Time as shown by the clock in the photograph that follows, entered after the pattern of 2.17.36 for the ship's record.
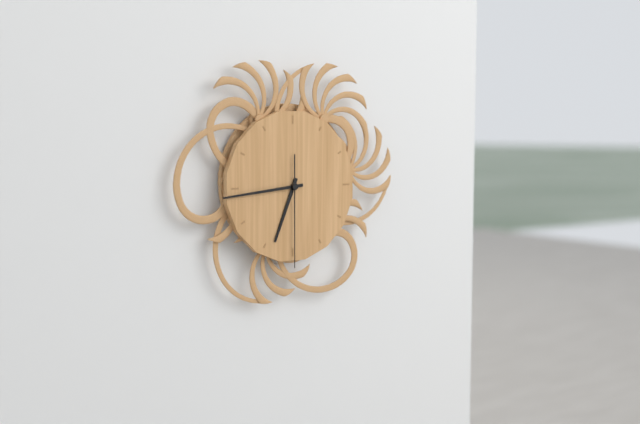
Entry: 6.44.30
